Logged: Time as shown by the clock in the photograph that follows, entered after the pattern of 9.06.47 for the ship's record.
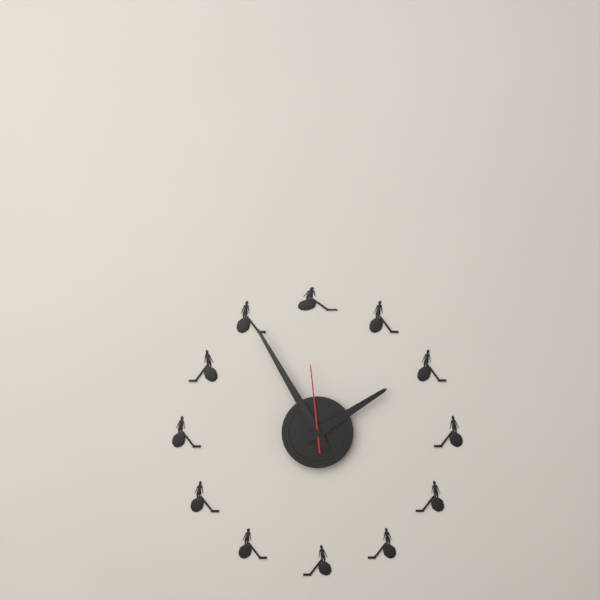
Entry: 1.55.59
